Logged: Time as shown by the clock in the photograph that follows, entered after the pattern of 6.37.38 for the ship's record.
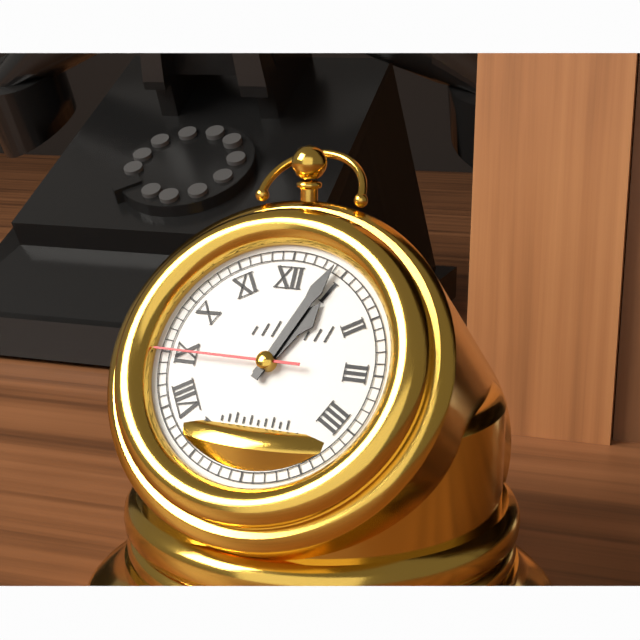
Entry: 1.04.45
